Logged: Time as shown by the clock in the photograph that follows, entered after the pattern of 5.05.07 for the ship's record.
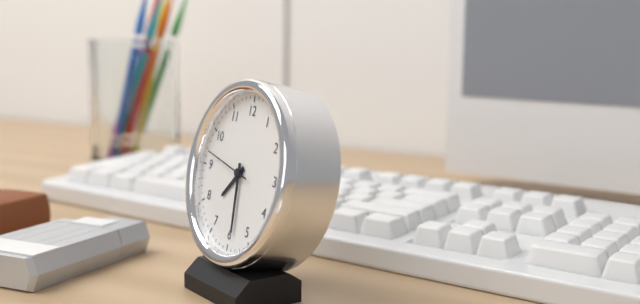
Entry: 7.29.47
